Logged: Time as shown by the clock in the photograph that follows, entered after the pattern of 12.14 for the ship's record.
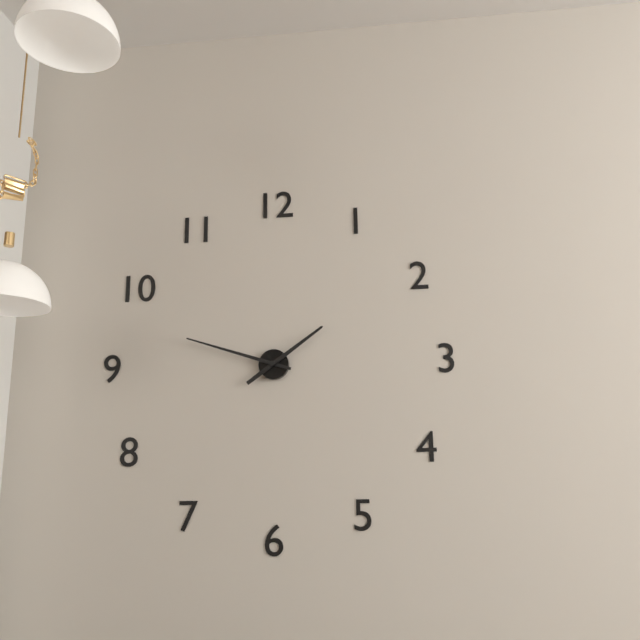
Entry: 1.48
